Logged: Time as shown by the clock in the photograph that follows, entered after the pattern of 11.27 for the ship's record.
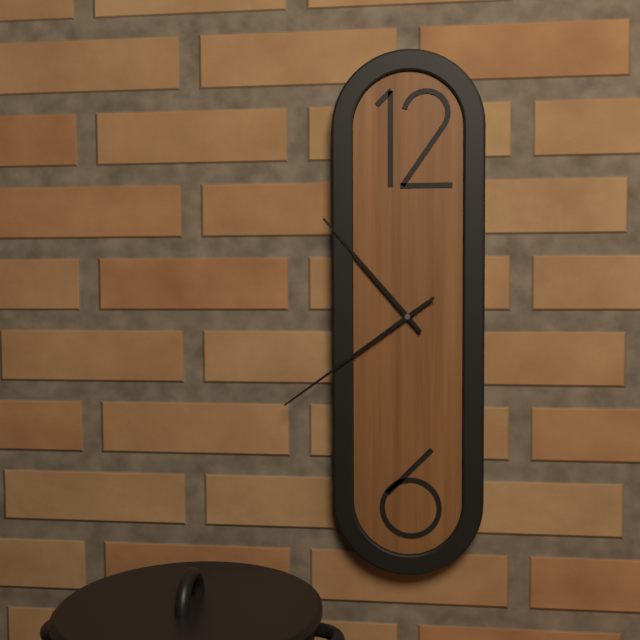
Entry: 10.39
